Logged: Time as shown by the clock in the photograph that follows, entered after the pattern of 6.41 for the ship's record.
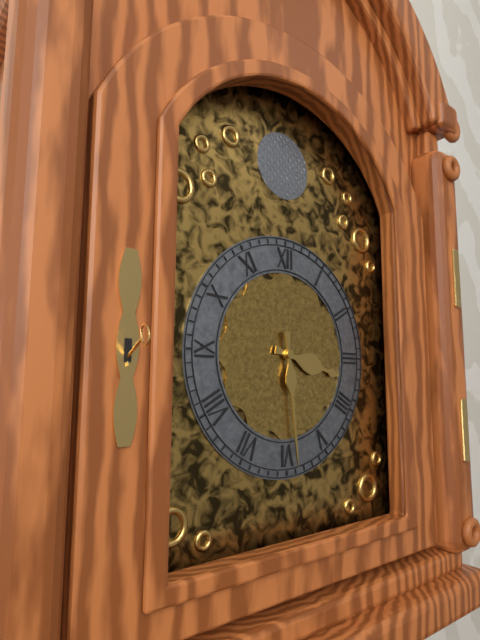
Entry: 3.29
